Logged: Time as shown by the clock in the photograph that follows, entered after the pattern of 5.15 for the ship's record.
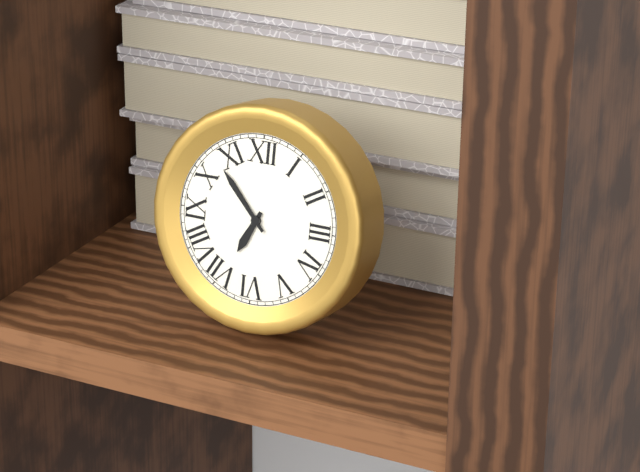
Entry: 6.53
